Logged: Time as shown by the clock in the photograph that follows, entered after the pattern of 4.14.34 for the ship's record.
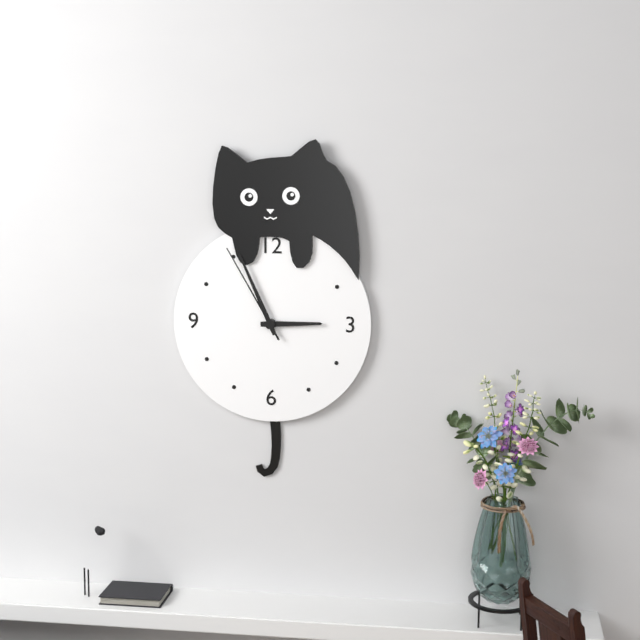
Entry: 2.56.55
